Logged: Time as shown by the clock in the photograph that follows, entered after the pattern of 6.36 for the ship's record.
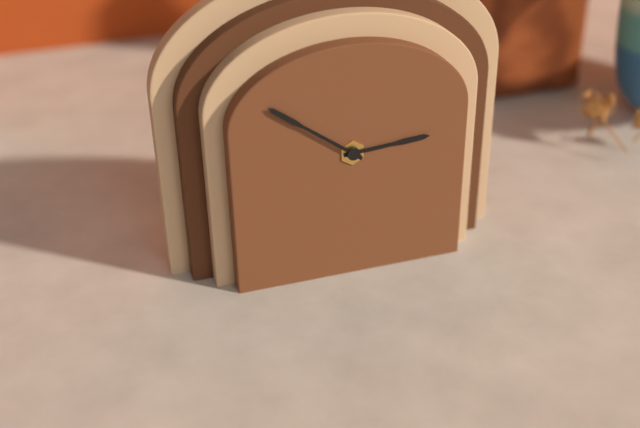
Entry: 2.51
